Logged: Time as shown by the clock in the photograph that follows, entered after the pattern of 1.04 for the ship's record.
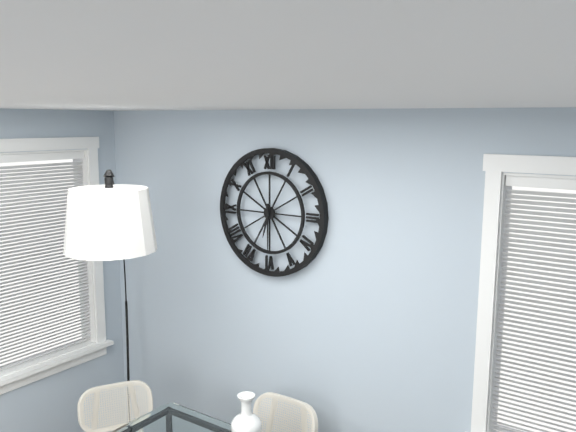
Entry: 6.30
